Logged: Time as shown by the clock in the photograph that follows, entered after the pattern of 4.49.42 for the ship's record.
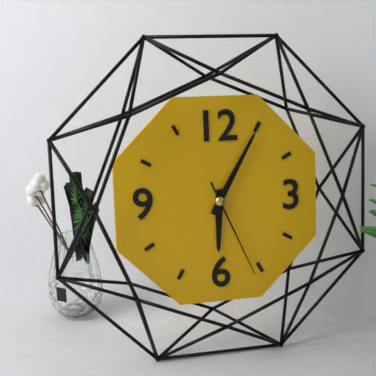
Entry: 6.05.26
